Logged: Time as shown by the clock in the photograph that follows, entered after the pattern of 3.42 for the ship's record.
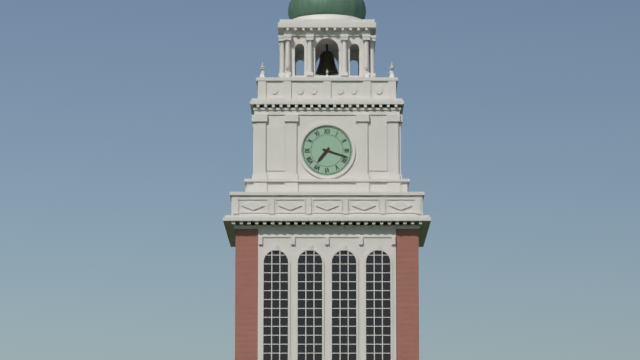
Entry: 7.18
